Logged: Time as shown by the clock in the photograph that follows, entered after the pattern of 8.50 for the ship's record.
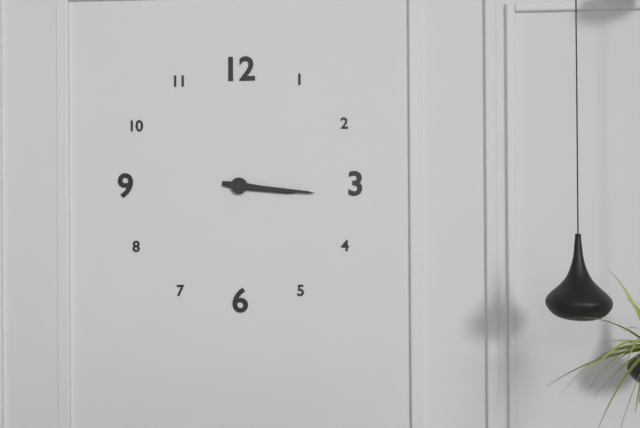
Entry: 3.16
